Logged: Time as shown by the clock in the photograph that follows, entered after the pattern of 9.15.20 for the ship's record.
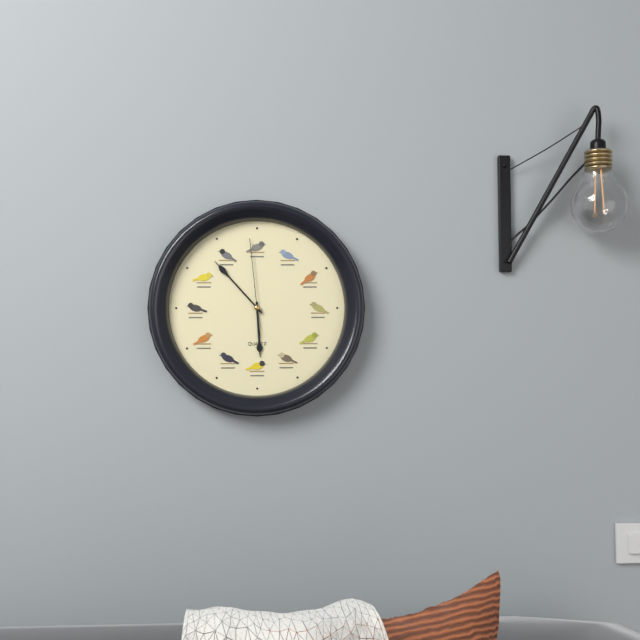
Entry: 5.53.59
